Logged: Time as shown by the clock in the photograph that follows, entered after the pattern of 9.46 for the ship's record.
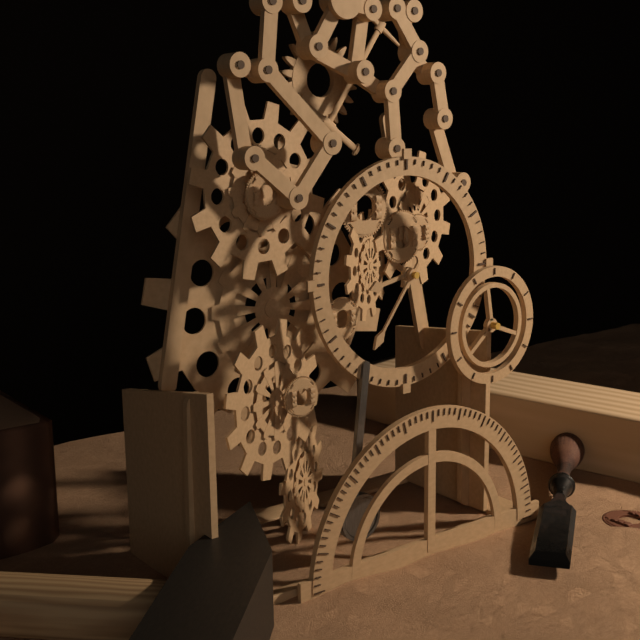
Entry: 8.36
